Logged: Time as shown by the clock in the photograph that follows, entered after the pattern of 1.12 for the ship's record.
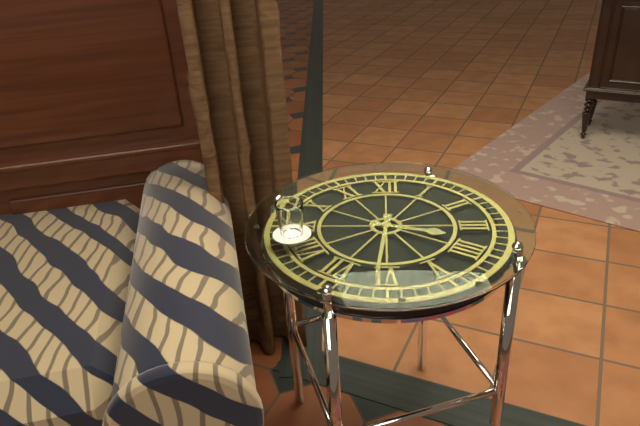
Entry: 3.31
